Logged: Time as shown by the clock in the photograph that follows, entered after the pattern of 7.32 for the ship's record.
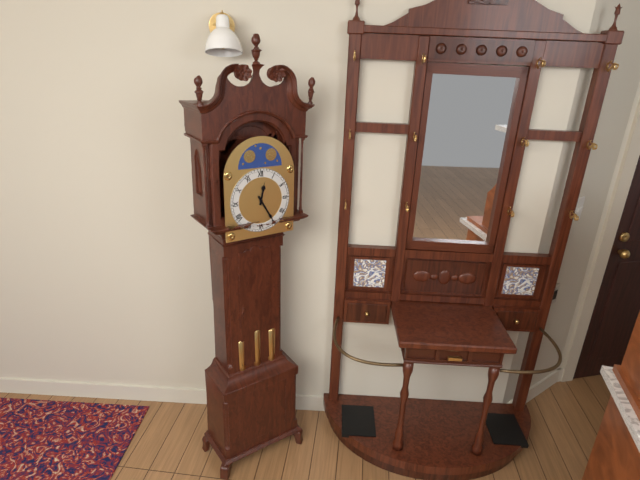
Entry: 12.25
